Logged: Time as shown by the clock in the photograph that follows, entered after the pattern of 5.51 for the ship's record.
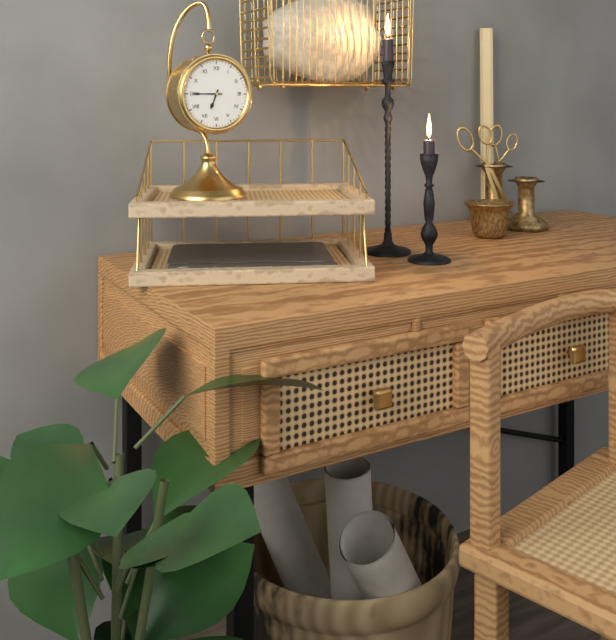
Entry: 6.45
